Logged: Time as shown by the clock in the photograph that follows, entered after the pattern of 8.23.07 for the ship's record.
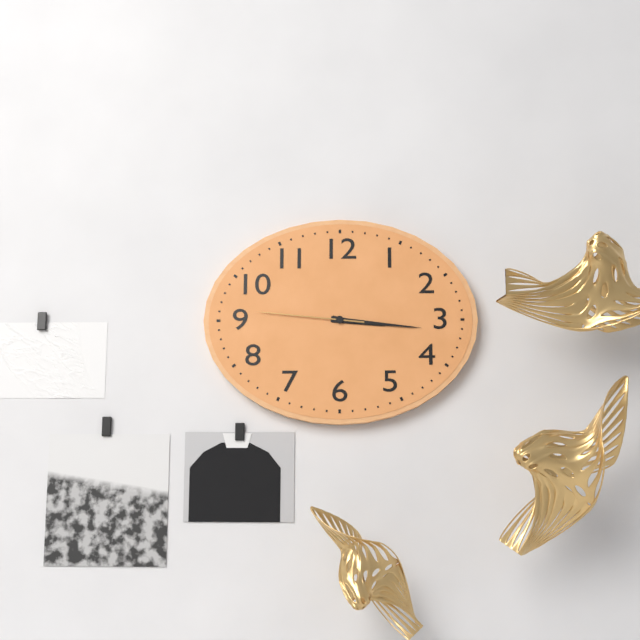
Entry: 3.16.46
